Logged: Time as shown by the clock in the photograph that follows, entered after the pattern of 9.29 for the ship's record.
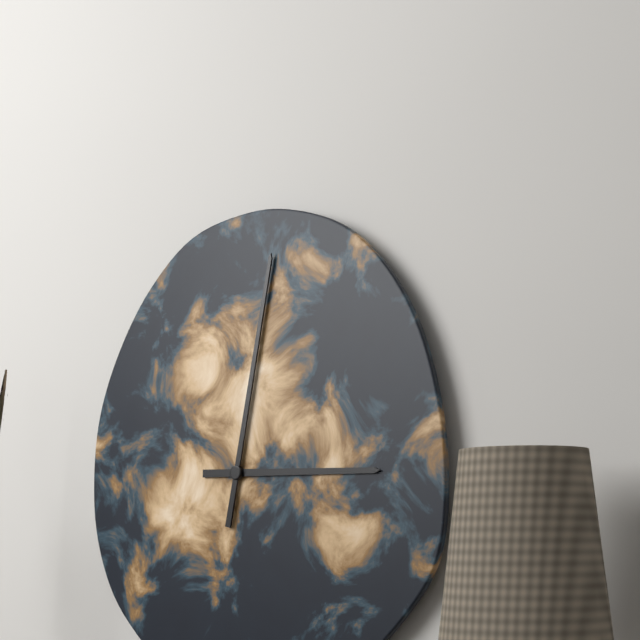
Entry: 3.02
